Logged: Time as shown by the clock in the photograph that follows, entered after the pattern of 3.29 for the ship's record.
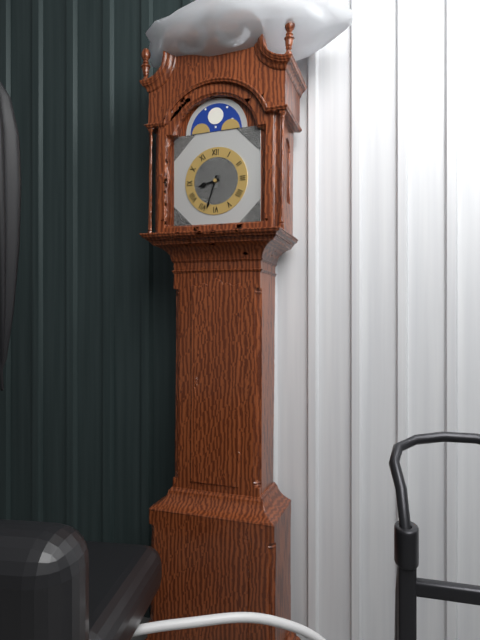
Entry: 8.33
